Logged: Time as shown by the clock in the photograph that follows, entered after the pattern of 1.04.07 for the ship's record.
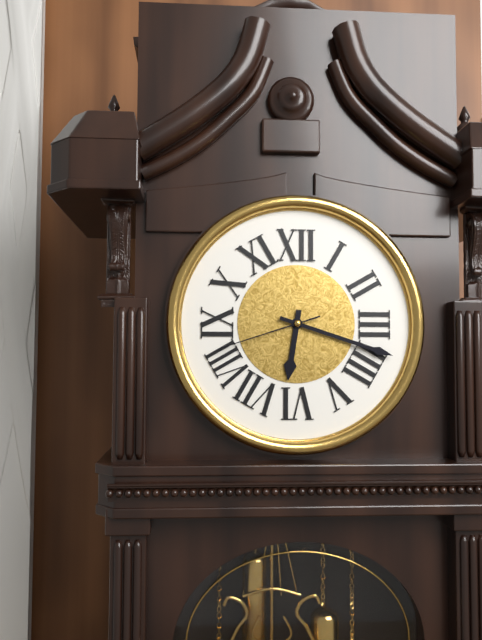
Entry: 6.18.42
